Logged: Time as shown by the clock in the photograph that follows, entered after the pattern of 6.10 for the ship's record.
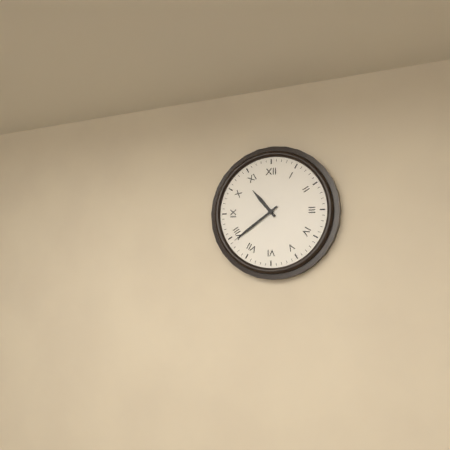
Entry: 10.39
